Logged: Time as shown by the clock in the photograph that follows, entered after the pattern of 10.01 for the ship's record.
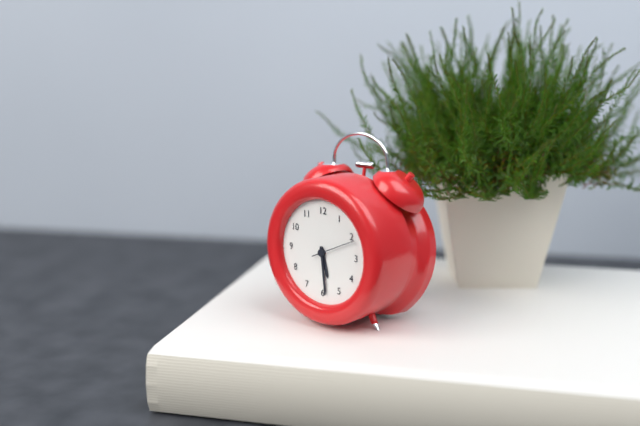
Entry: 5.29
